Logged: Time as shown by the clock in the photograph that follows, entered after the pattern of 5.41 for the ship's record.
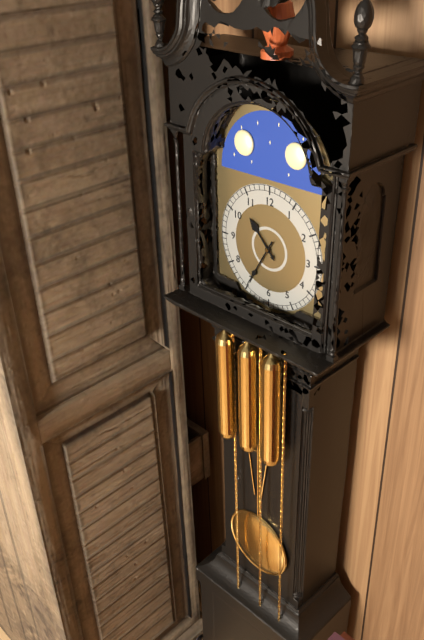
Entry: 10.35
